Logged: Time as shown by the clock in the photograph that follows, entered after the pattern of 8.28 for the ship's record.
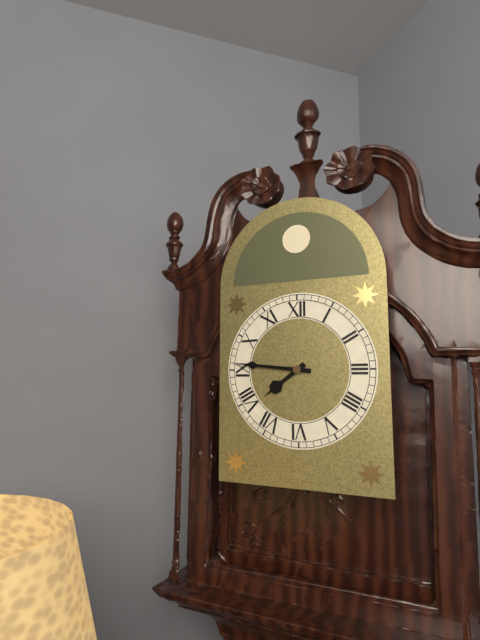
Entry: 7.46
